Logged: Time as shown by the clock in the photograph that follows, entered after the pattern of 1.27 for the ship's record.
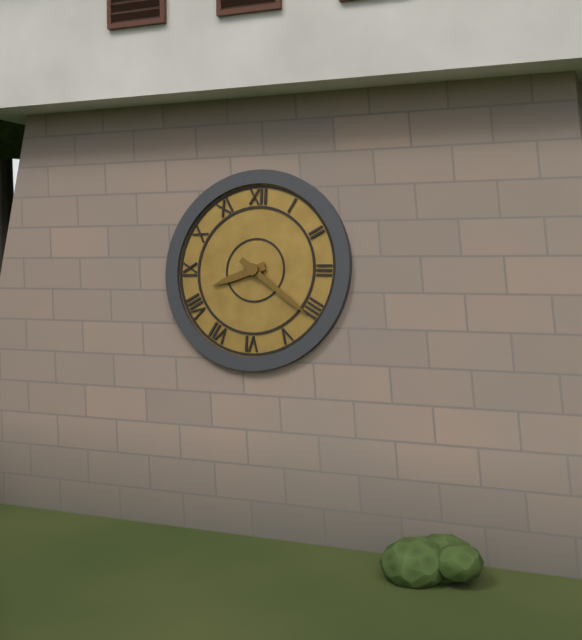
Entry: 8.21
